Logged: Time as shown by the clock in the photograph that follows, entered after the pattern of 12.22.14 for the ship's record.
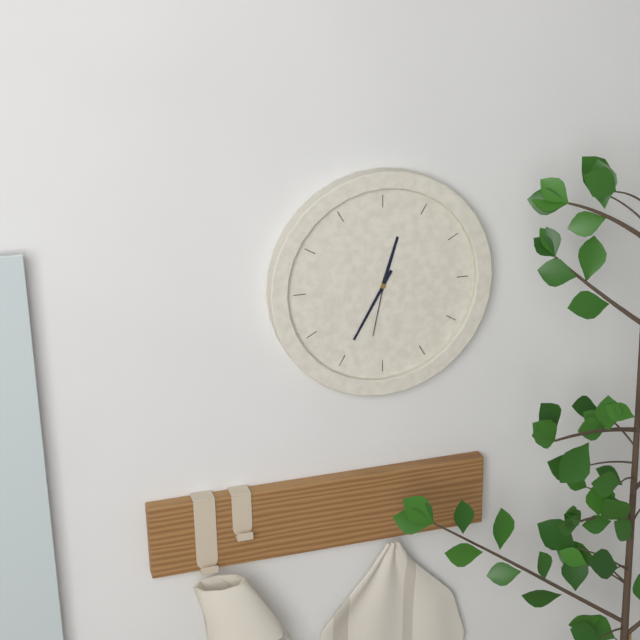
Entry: 12.35.32
